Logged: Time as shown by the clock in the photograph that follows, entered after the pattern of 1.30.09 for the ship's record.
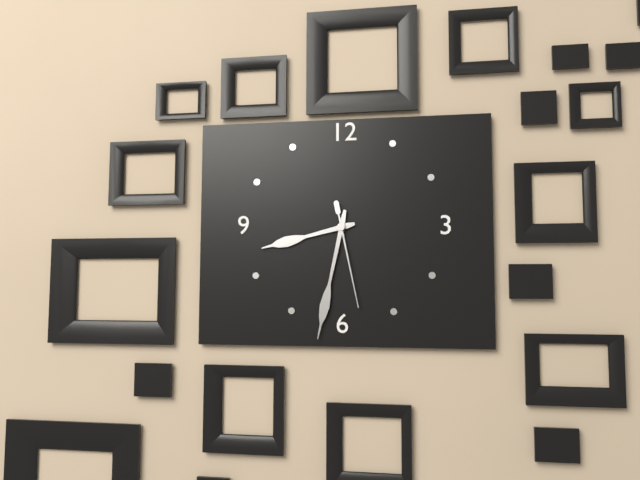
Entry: 8.32.28
